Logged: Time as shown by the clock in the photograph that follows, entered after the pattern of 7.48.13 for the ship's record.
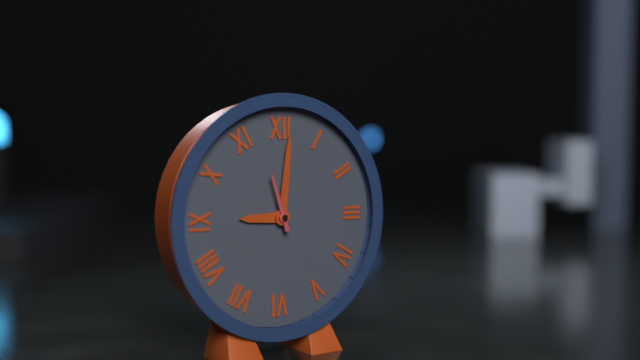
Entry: 9.01.57
